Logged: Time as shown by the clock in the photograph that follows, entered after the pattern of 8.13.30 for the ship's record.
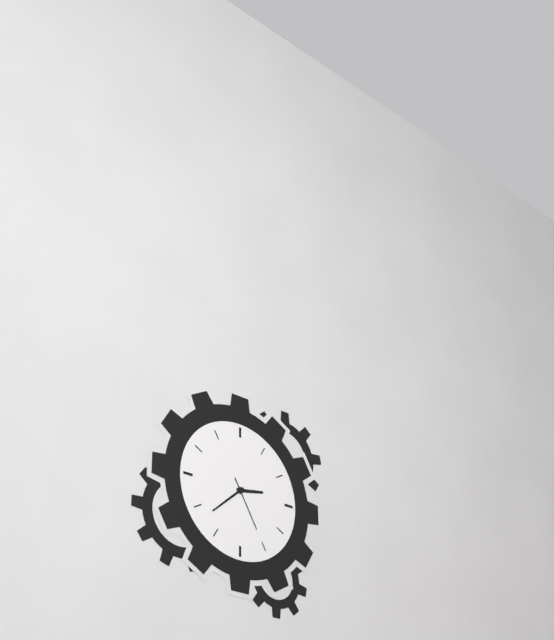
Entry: 2.38.25
